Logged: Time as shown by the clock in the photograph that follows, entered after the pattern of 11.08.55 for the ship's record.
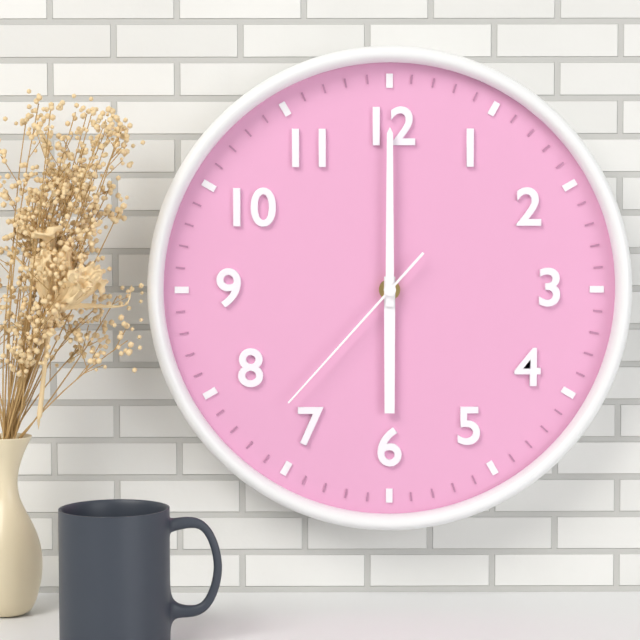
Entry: 6.00.37
